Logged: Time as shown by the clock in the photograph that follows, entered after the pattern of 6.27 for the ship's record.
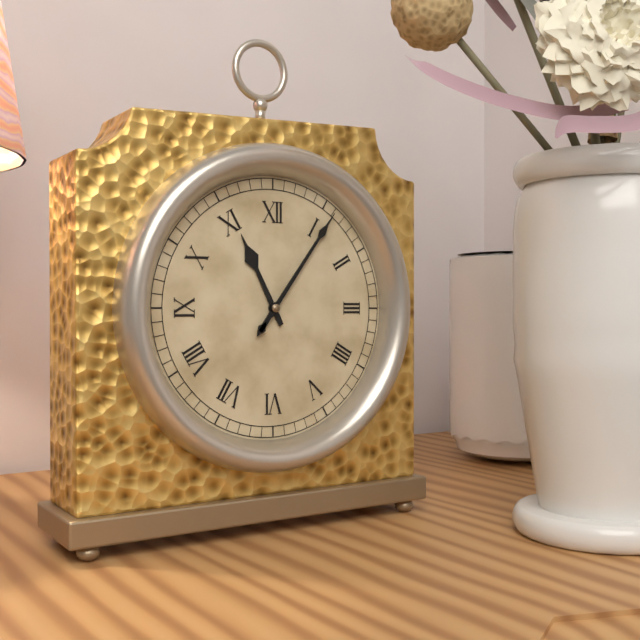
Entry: 11.06
